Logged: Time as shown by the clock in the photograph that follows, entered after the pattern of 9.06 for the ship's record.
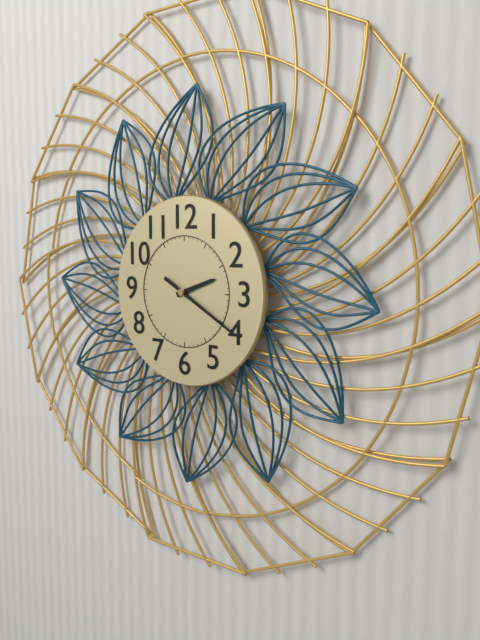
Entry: 2.20
